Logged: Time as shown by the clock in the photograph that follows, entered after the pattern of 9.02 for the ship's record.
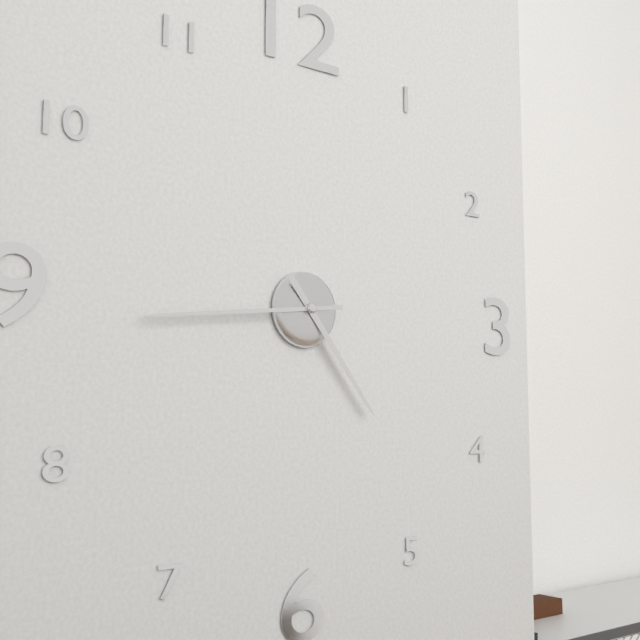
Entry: 4.44
